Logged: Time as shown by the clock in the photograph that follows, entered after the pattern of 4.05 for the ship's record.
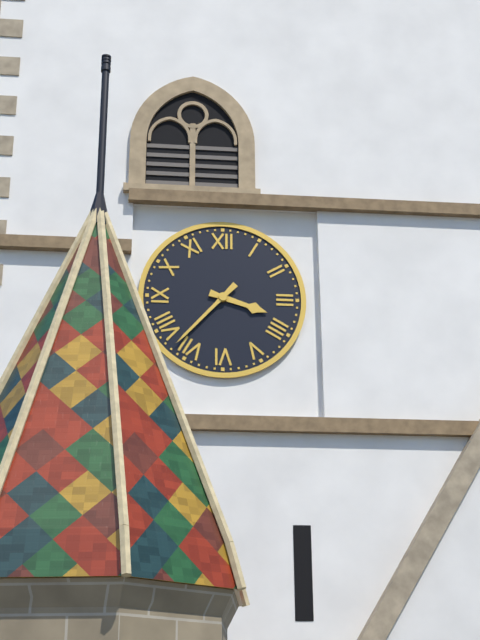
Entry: 3.37
